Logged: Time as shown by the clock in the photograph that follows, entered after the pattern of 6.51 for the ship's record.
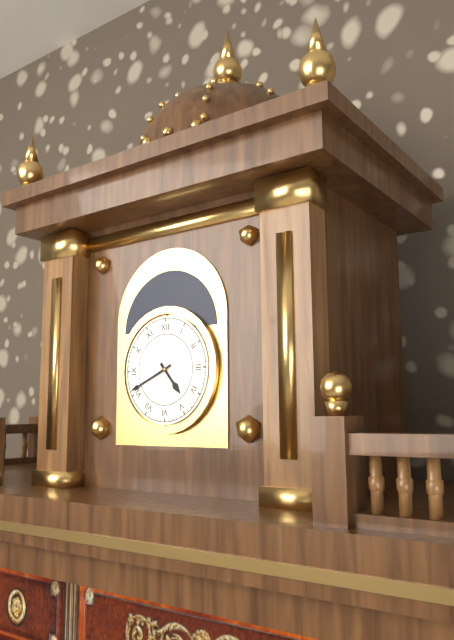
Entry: 4.41
